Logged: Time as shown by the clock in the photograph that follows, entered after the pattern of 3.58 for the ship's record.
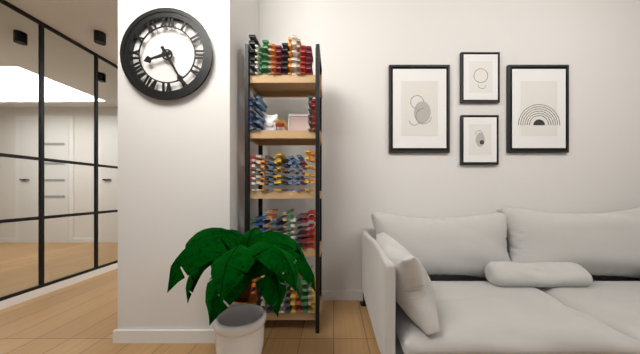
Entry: 8.25
